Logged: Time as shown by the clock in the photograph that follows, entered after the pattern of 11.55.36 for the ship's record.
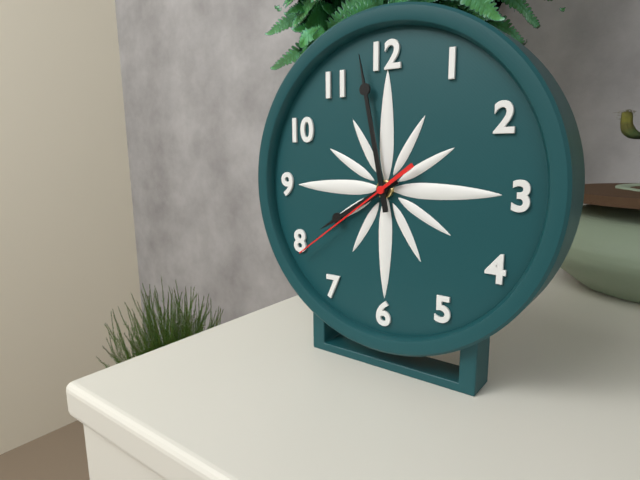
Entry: 7.58.39
